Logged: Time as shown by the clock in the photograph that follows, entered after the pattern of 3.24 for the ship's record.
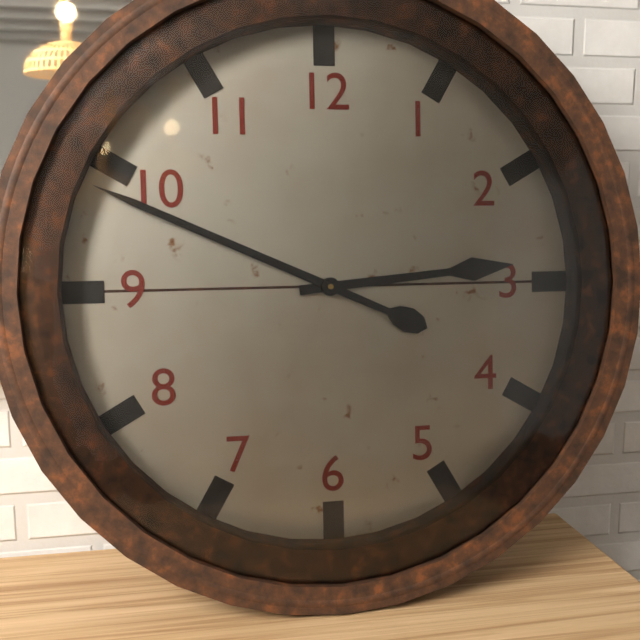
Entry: 2.49
